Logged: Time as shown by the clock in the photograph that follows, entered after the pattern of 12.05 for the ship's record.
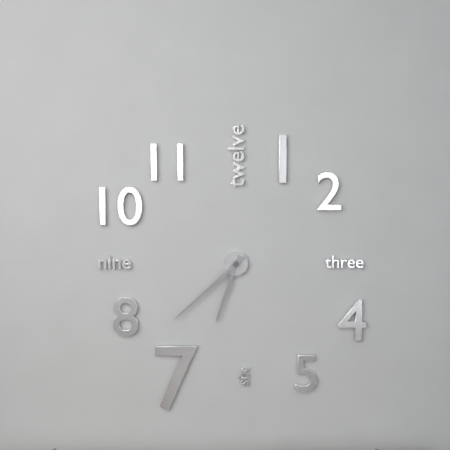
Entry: 6.38
